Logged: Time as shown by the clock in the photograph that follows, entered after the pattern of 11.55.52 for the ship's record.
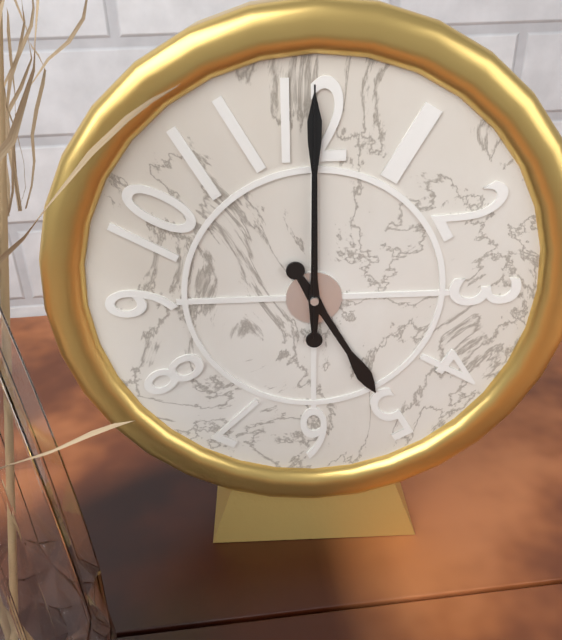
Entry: 5.00.00
